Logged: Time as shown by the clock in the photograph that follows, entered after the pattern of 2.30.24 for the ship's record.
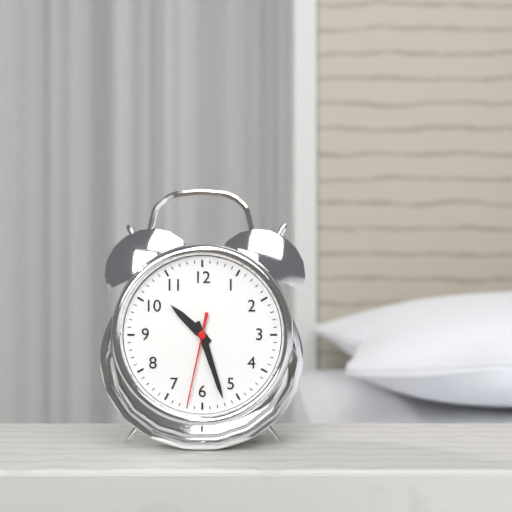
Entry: 10.27.32
